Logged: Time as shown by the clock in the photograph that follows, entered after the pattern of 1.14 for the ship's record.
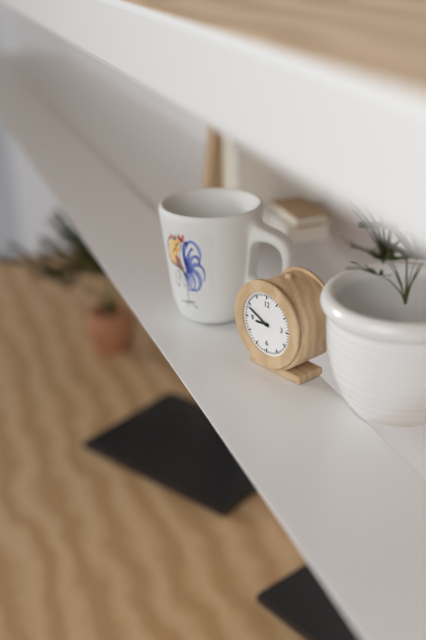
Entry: 8.49
